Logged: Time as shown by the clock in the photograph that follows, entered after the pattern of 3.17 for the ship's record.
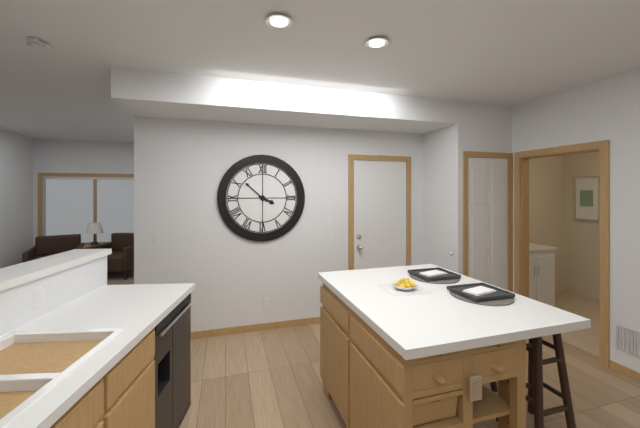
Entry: 3.52
